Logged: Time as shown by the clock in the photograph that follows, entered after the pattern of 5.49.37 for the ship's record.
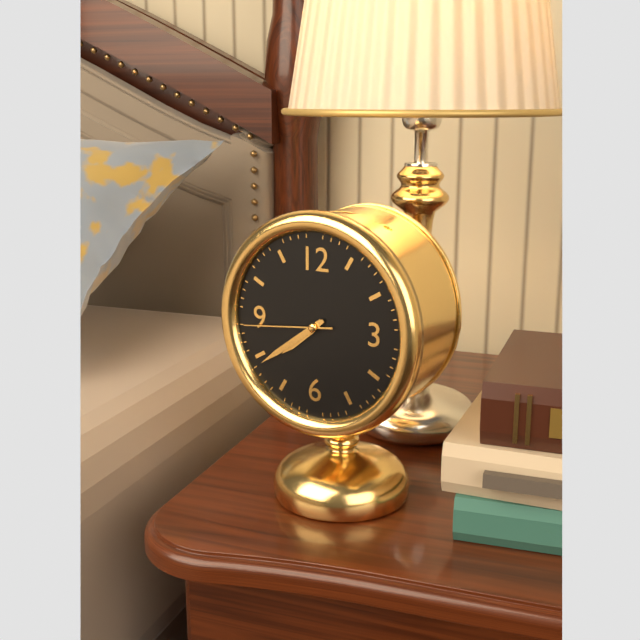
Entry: 7.39.44
